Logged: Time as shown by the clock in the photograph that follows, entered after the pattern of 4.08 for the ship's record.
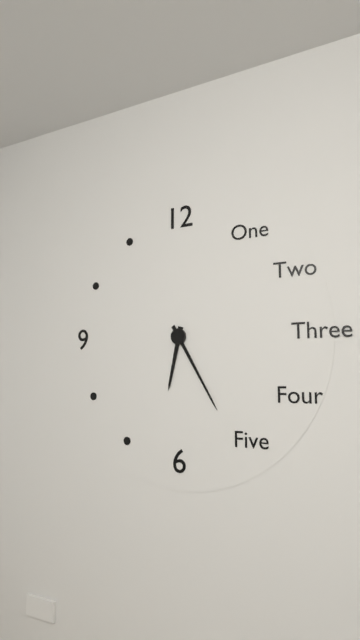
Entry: 6.25
